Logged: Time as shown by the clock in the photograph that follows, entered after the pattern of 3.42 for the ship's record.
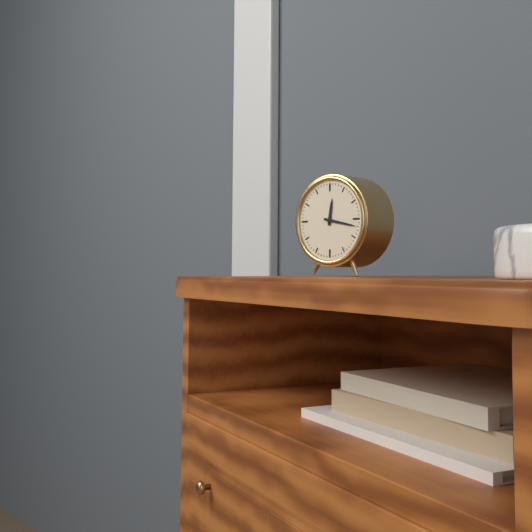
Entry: 12.17
